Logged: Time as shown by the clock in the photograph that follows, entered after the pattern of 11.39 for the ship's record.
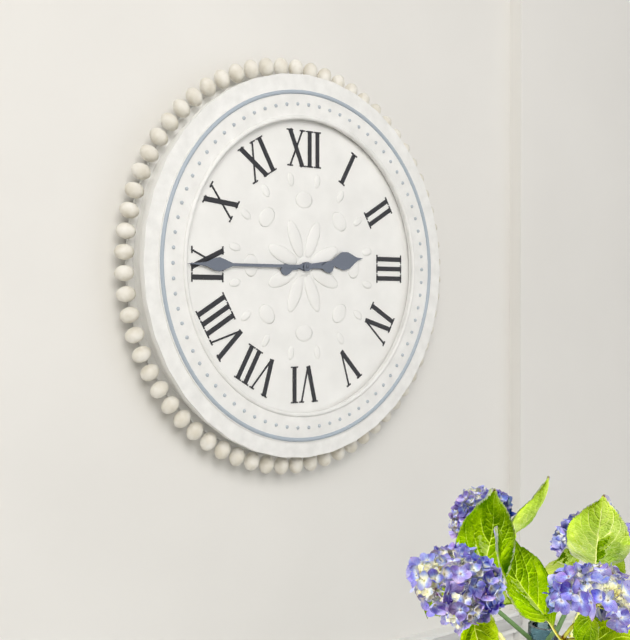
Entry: 2.45
